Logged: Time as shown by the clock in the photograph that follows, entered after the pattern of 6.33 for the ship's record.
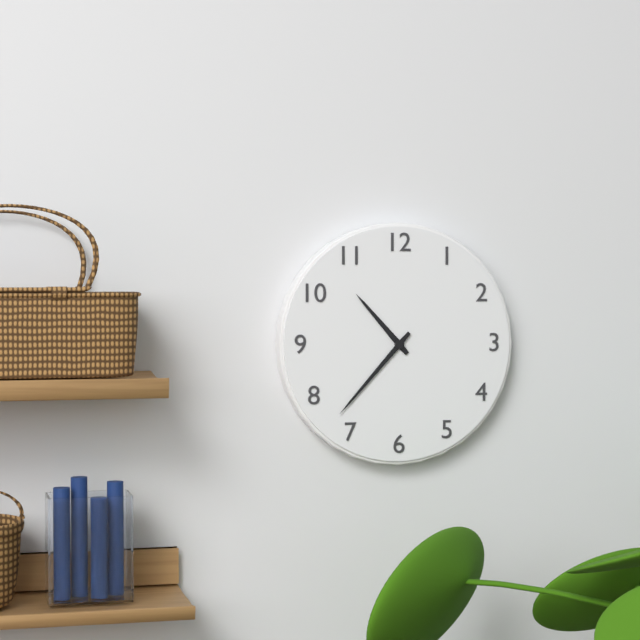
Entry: 10.37
